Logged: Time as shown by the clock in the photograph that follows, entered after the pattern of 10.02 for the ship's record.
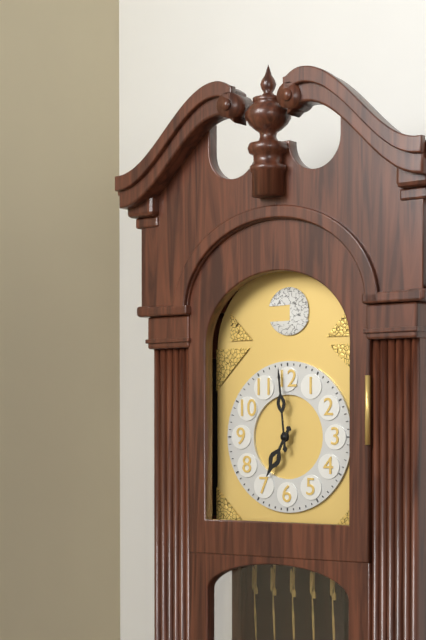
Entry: 6.59
